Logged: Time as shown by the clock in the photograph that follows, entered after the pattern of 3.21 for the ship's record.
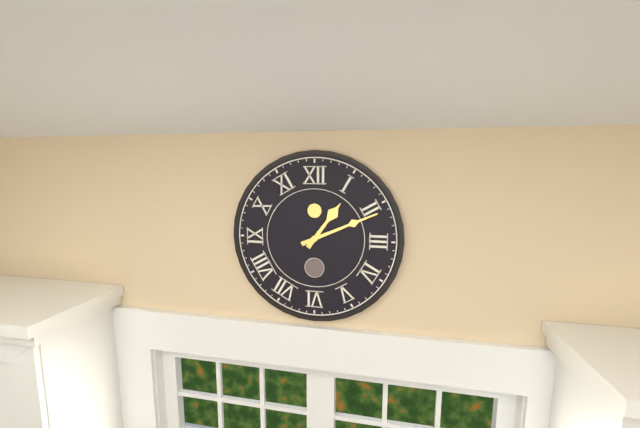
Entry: 1.11
